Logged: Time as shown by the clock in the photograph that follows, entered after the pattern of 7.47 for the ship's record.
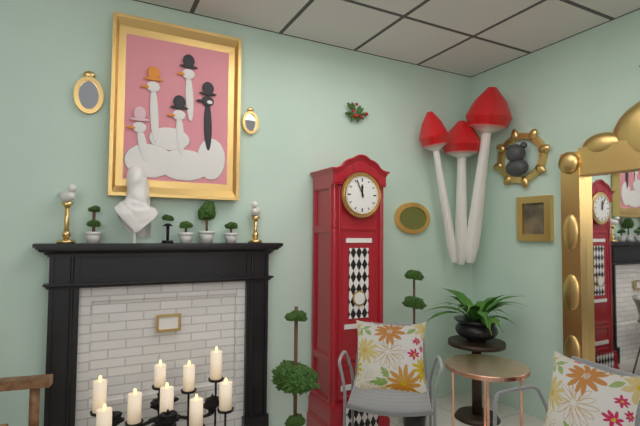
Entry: 11.56
